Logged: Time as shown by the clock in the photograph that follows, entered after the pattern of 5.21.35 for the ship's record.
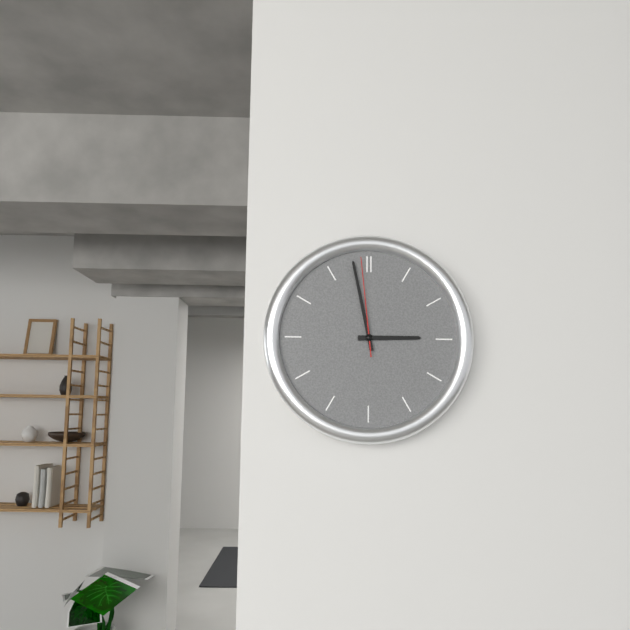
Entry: 2.58.59
